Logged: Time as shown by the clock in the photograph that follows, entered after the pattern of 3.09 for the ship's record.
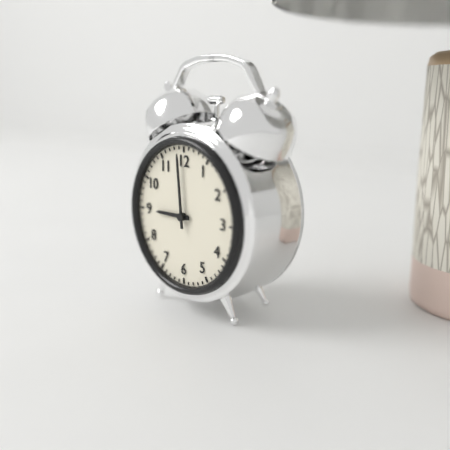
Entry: 8.59
